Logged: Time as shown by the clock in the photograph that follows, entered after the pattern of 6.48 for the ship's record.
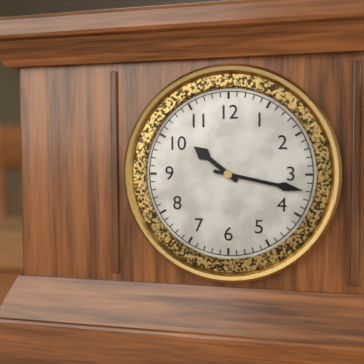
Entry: 10.17
